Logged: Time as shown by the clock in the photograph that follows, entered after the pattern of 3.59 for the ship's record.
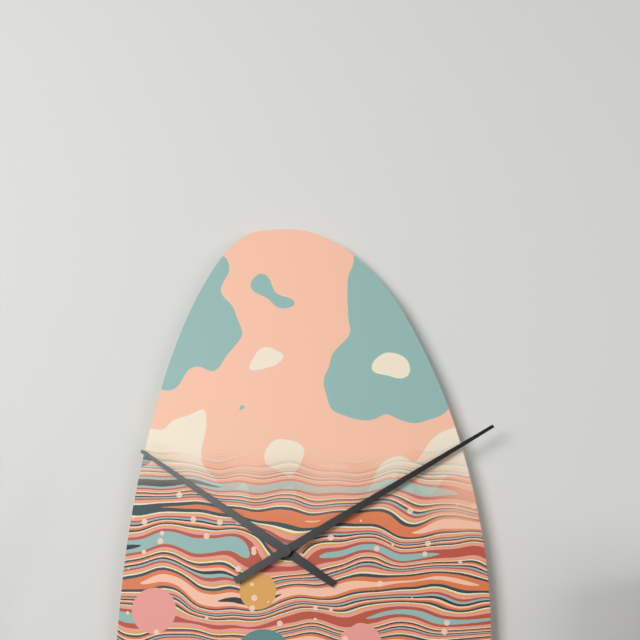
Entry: 10.10
